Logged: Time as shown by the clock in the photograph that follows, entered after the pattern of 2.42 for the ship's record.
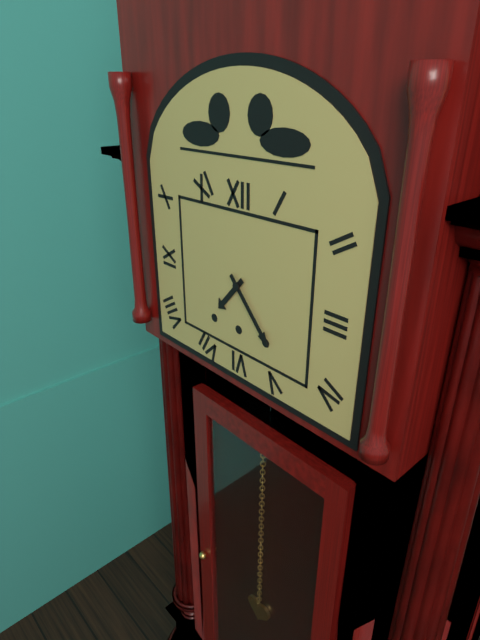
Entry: 7.23
